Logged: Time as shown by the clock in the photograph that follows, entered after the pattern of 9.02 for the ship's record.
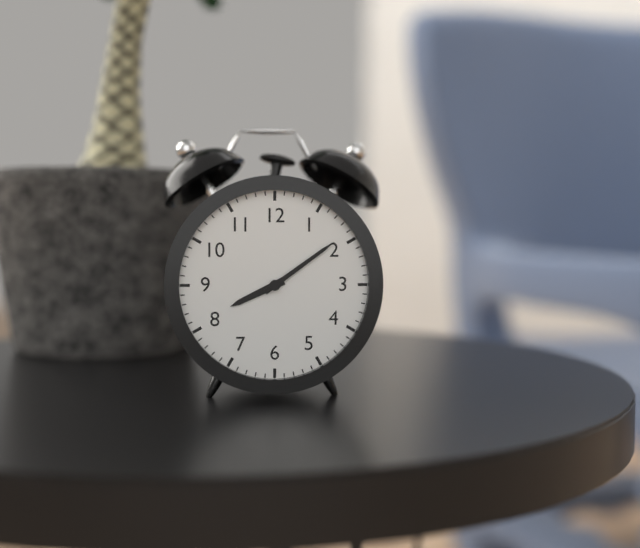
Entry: 8.09
